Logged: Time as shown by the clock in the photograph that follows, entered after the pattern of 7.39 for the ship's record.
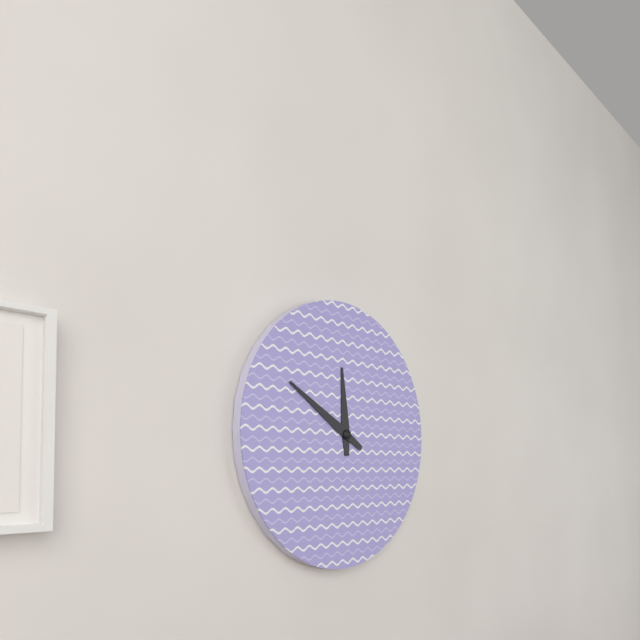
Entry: 11.50
